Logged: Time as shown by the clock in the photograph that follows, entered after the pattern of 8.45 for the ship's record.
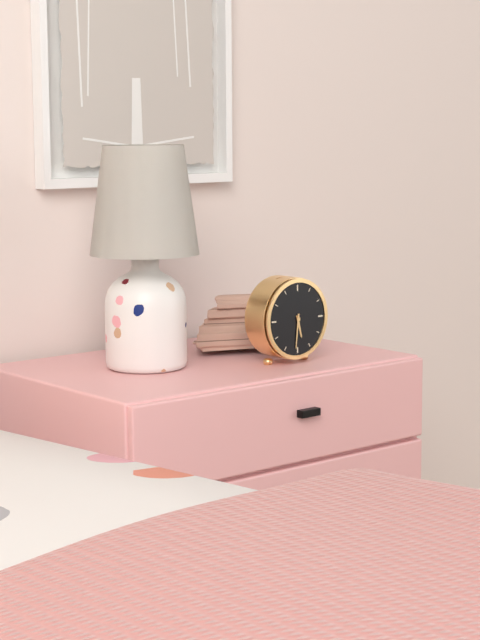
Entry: 5.31
